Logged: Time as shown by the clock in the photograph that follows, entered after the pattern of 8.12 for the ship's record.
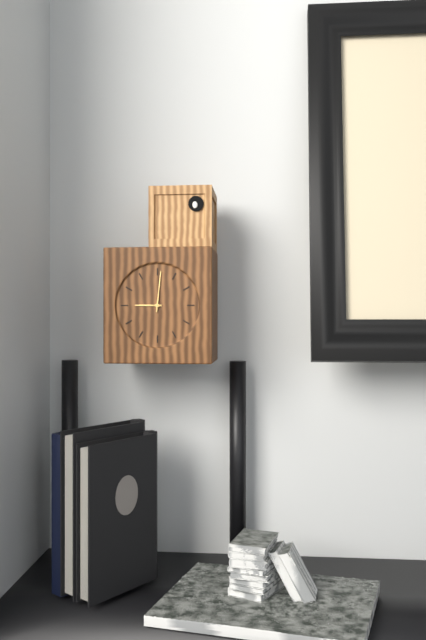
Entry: 9.01
